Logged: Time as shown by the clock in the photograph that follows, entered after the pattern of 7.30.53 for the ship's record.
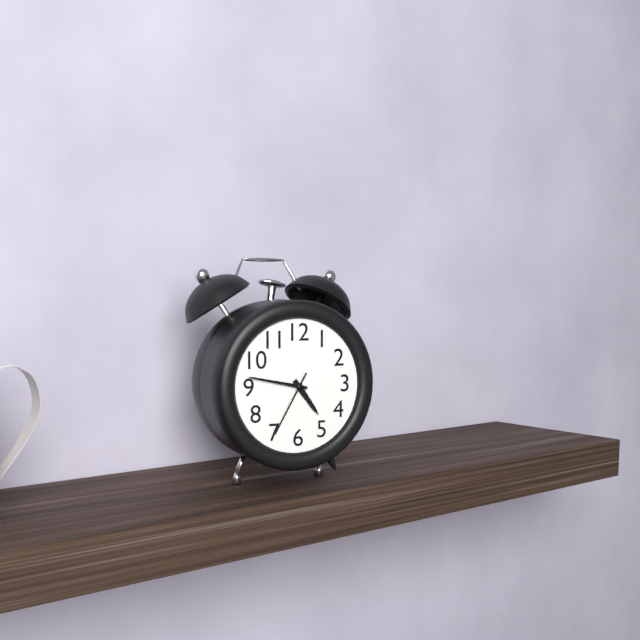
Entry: 4.47.35
